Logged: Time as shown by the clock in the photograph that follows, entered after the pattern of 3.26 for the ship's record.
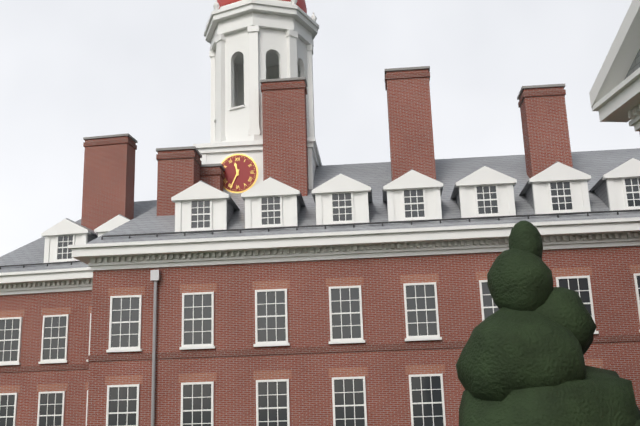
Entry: 11.34
